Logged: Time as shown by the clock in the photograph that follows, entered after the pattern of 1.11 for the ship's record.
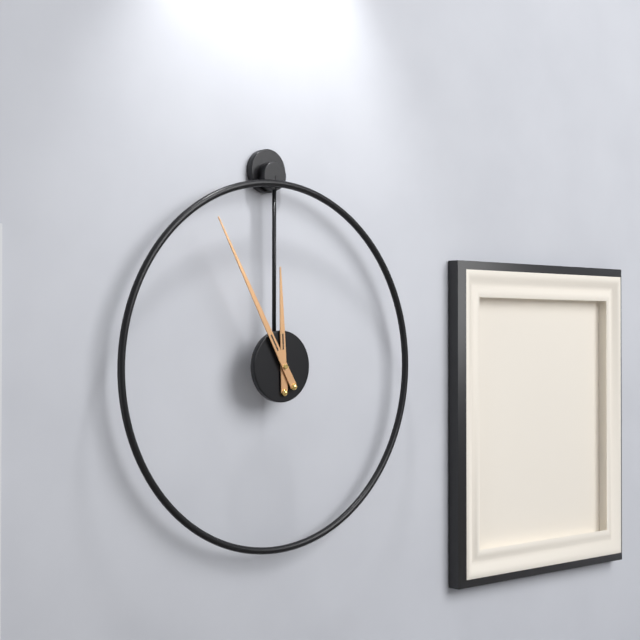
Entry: 11.55
